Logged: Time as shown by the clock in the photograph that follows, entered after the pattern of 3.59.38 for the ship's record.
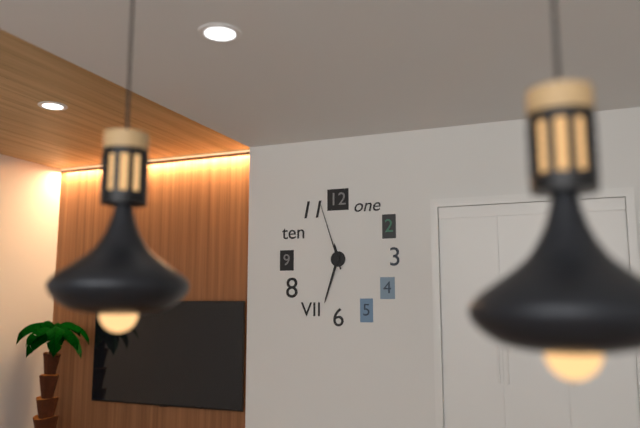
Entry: 11.33.57
